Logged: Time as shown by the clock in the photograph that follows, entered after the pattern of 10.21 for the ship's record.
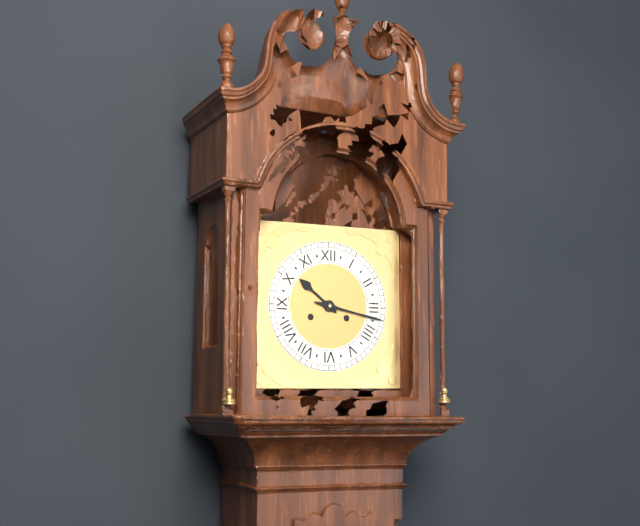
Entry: 10.17
